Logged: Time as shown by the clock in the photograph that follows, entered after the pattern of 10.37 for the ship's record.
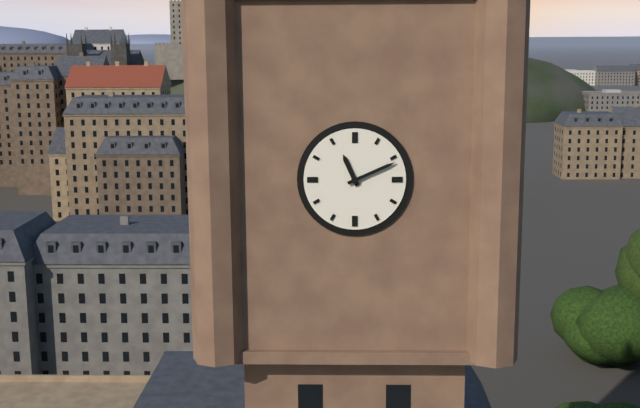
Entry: 11.11
